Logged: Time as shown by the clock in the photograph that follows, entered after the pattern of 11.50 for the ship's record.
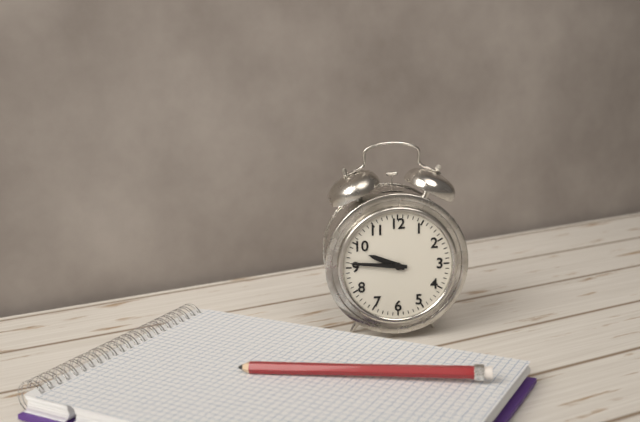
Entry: 9.46
